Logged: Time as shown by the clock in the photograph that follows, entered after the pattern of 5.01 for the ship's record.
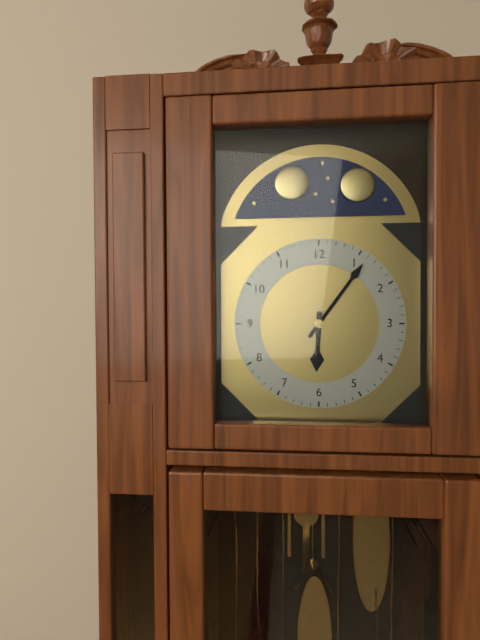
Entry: 6.06
